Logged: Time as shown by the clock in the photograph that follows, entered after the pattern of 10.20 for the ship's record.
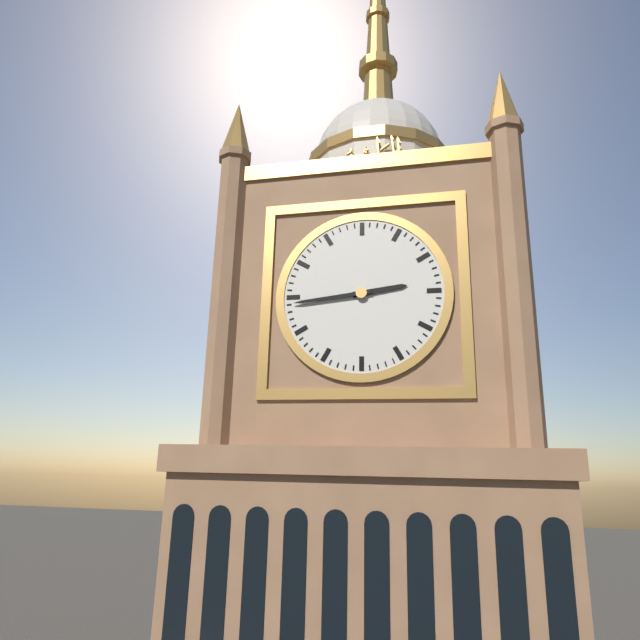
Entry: 2.44
